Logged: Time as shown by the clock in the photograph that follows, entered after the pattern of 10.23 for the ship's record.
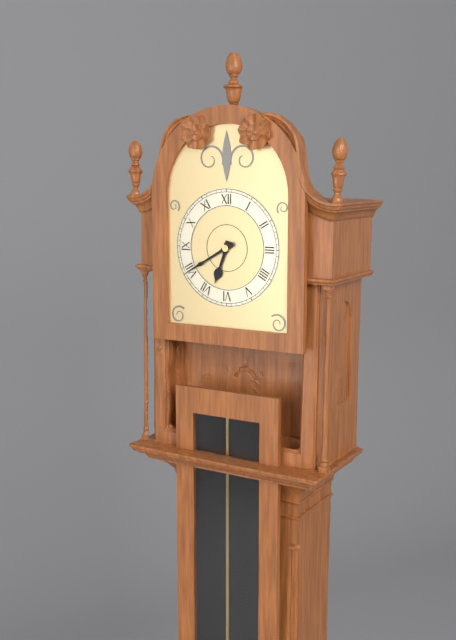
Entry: 6.40
